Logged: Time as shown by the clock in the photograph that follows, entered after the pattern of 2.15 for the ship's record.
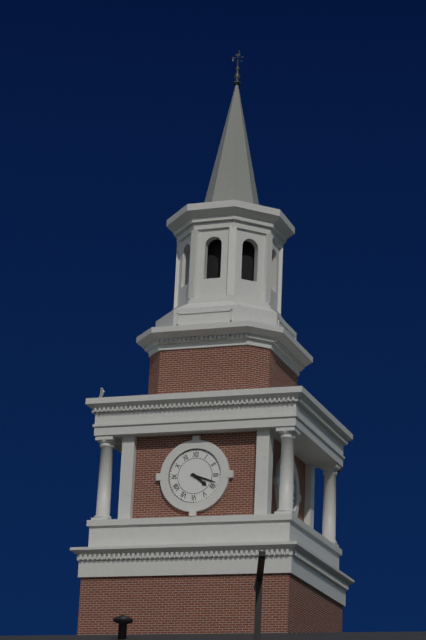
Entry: 4.18
